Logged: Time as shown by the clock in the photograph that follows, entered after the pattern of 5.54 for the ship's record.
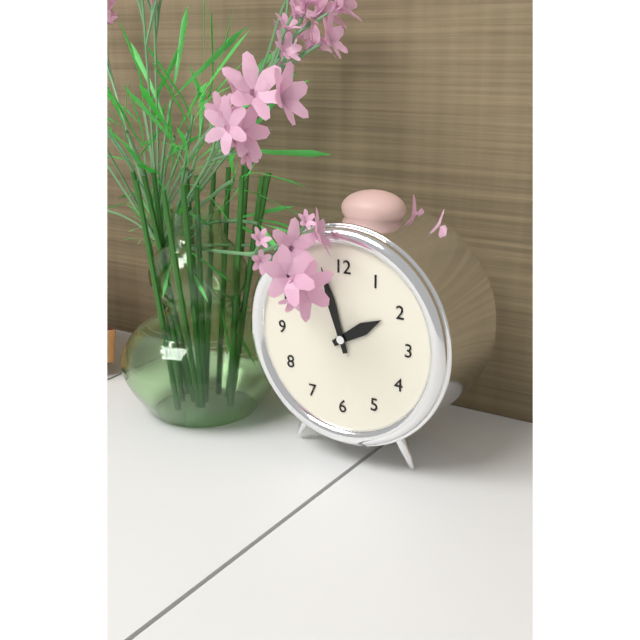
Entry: 1.57
